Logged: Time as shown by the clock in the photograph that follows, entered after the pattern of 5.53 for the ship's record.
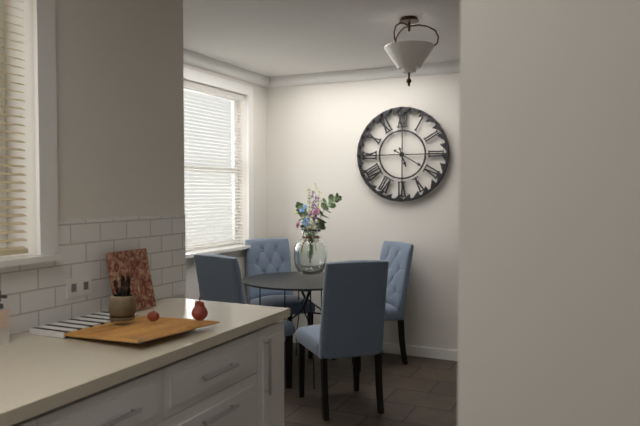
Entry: 5.20
